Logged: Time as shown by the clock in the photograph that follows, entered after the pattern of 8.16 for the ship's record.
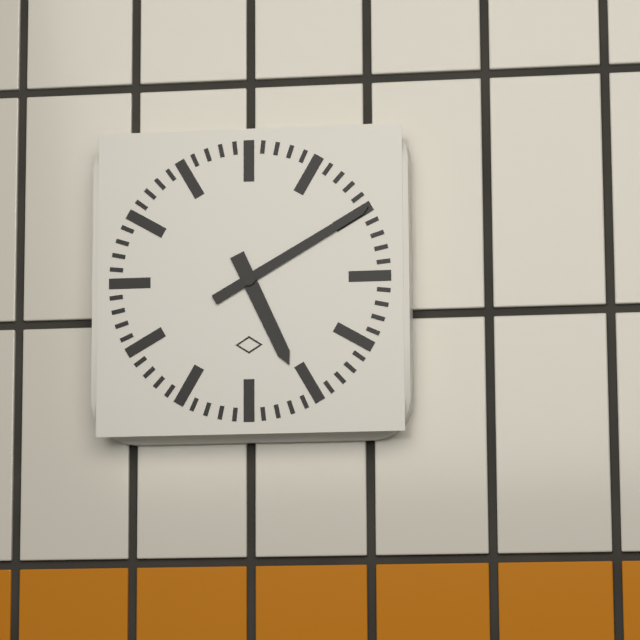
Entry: 5.10
